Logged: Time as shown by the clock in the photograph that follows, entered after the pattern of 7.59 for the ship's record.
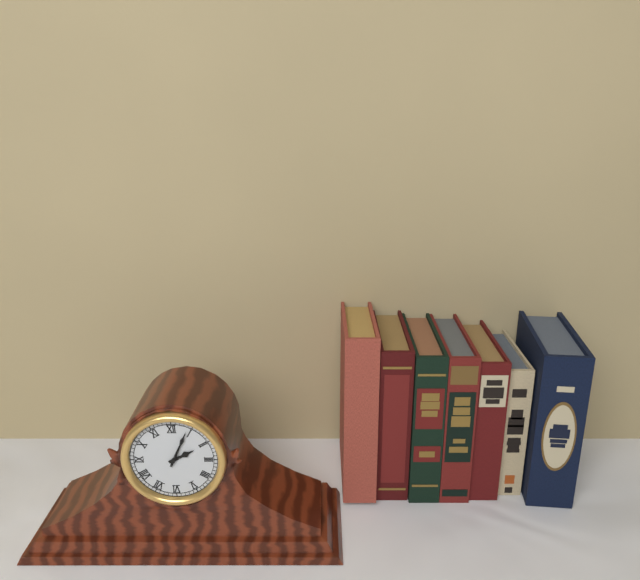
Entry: 2.04
